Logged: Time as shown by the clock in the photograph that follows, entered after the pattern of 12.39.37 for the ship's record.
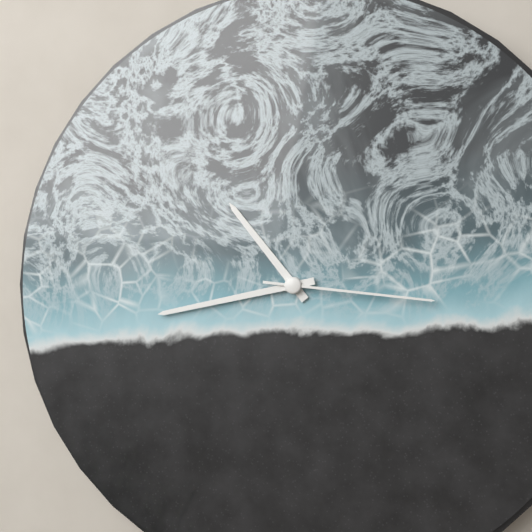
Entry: 10.43.16
